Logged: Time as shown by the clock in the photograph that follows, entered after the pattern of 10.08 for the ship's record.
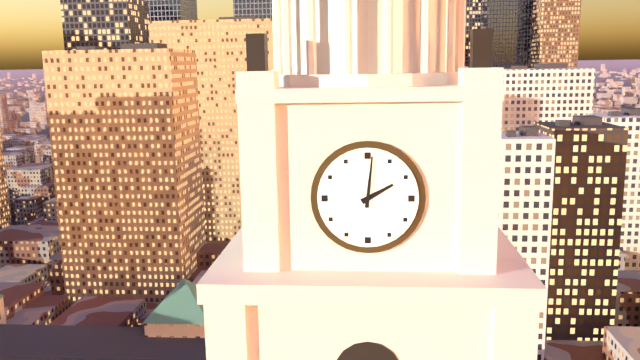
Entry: 2.01
